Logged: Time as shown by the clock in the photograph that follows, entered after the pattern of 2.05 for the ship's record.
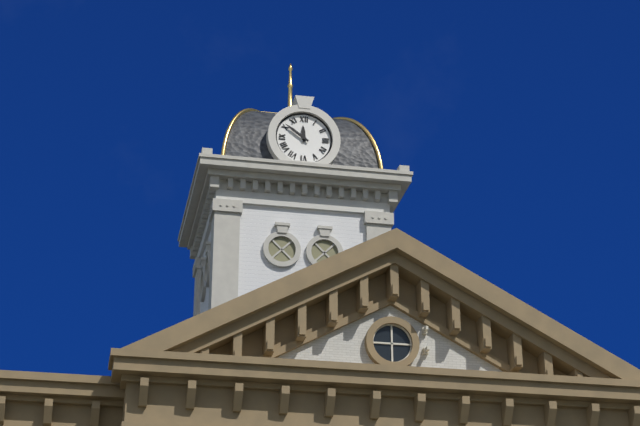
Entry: 11.51
